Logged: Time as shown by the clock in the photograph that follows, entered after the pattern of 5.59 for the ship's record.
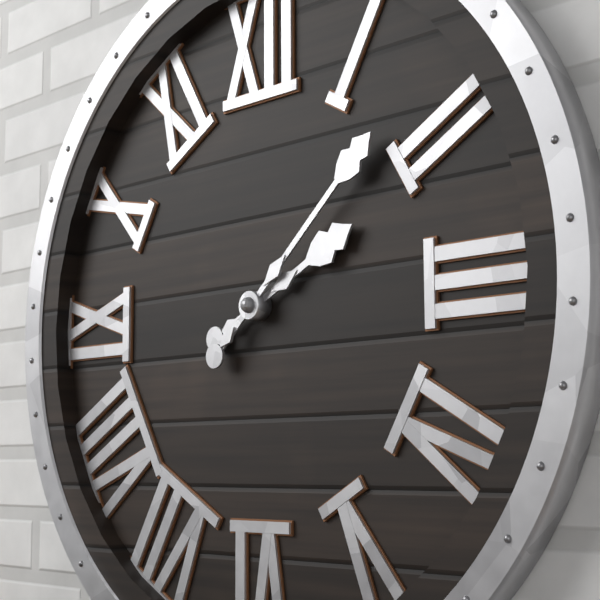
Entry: 2.08
